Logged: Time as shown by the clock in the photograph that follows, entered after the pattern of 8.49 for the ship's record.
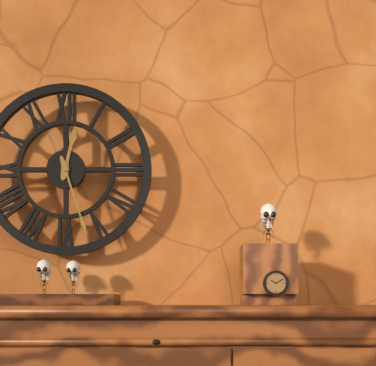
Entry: 12.27
